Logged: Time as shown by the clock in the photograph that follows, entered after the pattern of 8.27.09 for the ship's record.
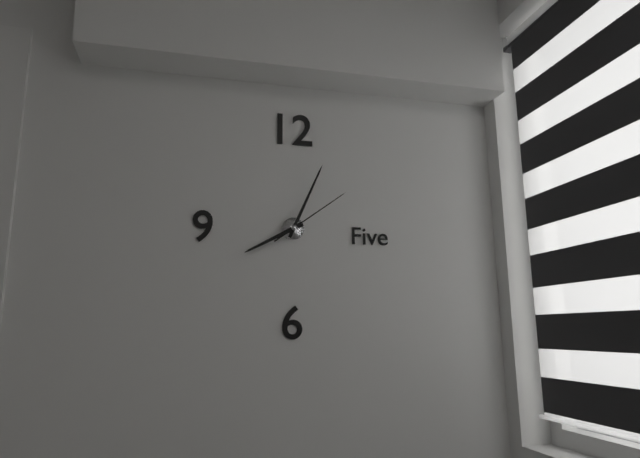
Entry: 8.04.09
